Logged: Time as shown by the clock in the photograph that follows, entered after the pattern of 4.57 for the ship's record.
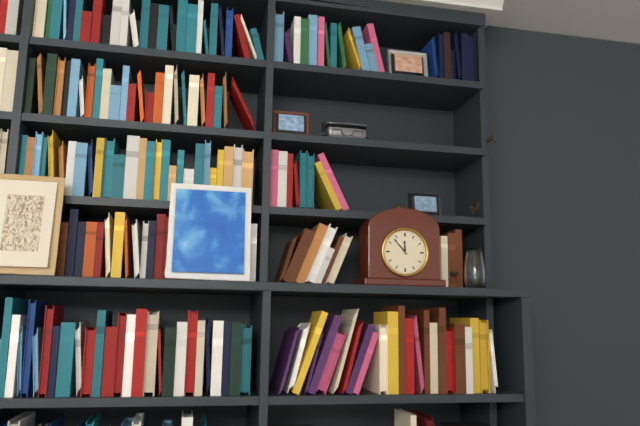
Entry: 11.53
